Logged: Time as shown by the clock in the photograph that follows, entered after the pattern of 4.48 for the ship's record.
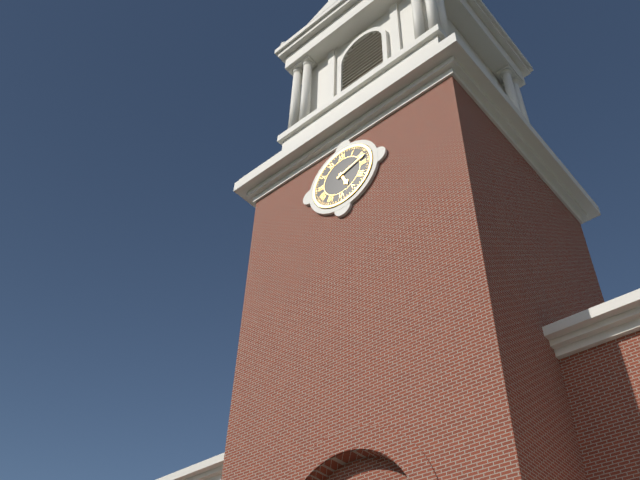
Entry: 5.12
